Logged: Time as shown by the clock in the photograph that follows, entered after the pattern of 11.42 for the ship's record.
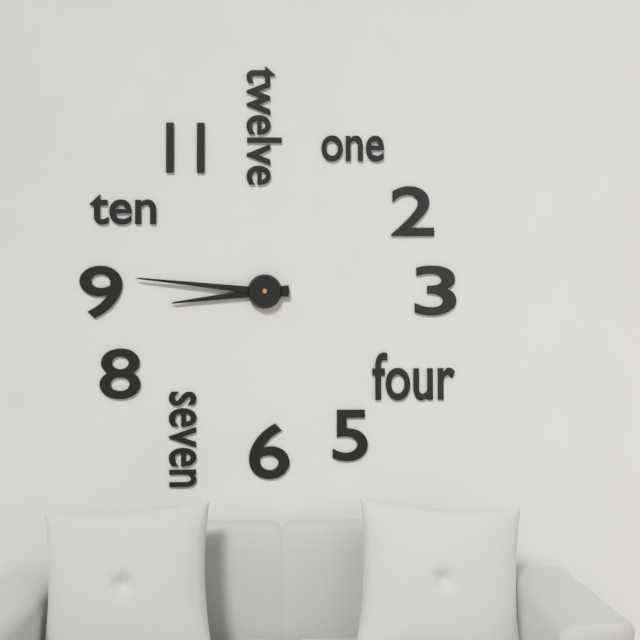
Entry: 8.46
